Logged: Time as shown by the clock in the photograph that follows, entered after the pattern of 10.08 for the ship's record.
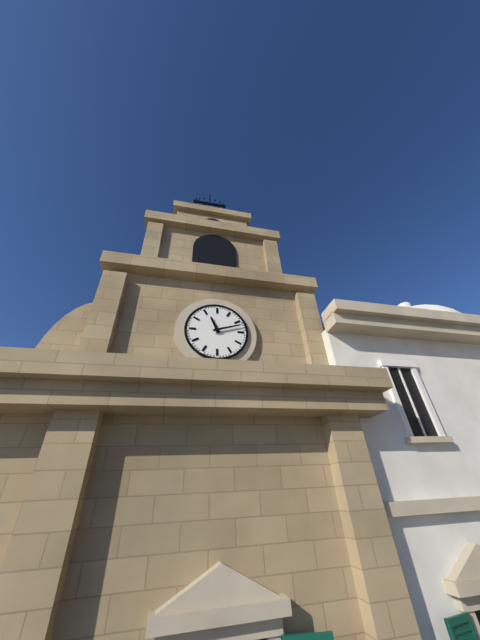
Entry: 11.12
